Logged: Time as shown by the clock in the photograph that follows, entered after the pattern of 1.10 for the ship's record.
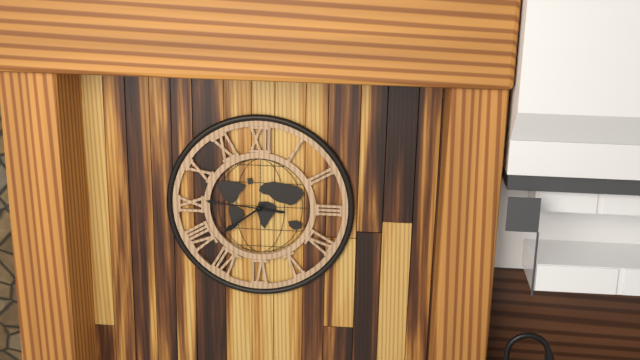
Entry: 7.46
